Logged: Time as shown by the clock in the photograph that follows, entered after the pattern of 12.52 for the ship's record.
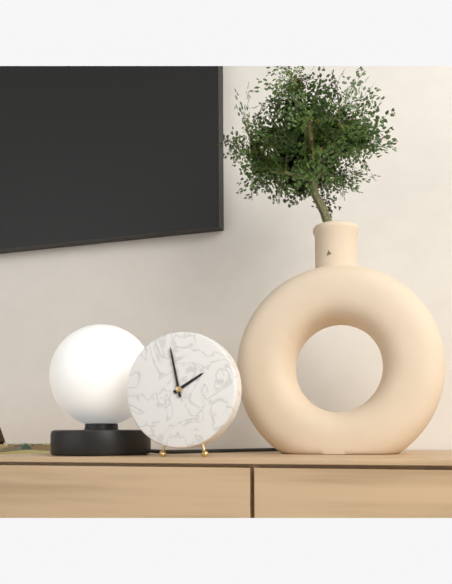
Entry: 1.58
